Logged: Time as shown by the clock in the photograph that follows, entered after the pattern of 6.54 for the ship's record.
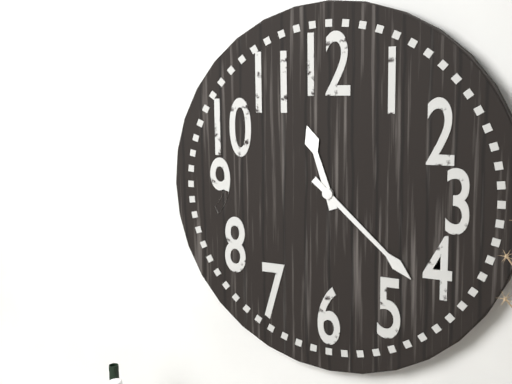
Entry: 11.22
